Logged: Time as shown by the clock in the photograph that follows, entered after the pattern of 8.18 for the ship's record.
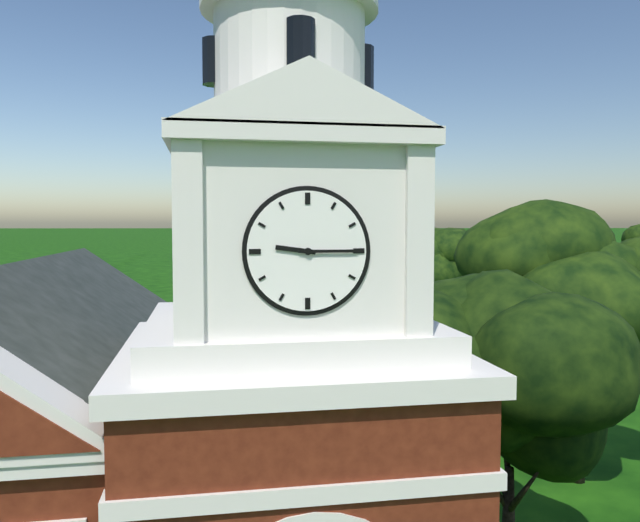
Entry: 9.15
